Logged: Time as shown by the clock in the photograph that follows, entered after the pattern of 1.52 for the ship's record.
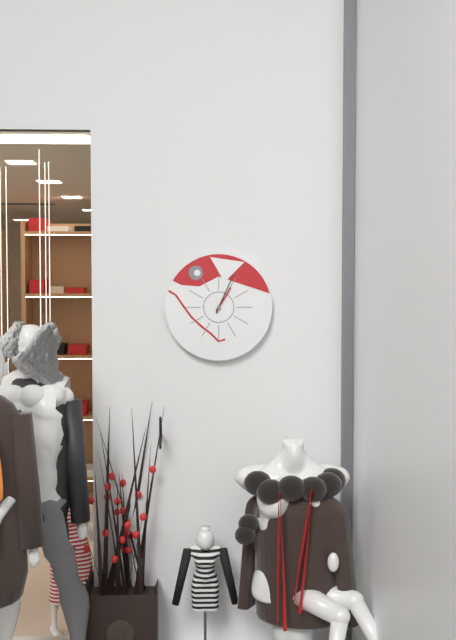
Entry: 1.04
